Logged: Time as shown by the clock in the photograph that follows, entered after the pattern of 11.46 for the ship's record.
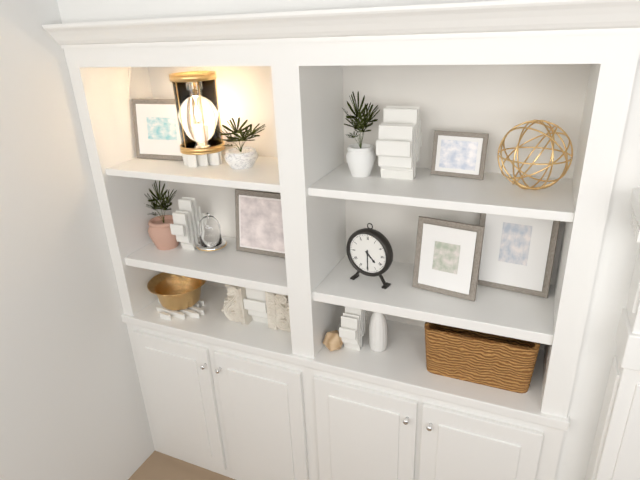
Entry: 4.30
